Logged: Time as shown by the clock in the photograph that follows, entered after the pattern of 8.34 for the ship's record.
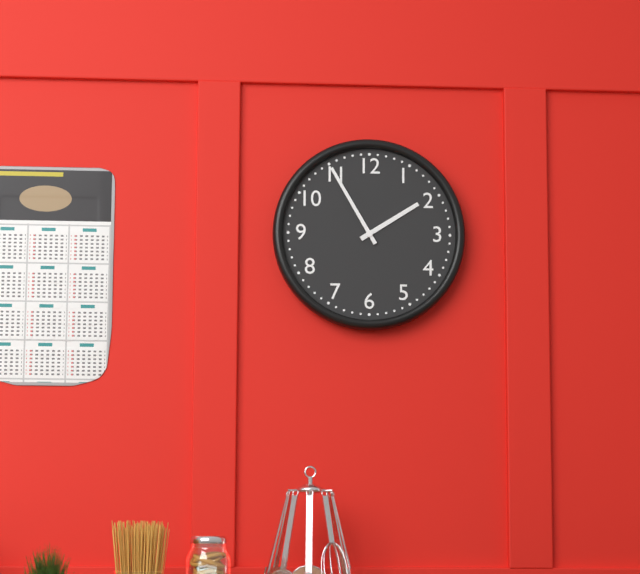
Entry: 1.55
